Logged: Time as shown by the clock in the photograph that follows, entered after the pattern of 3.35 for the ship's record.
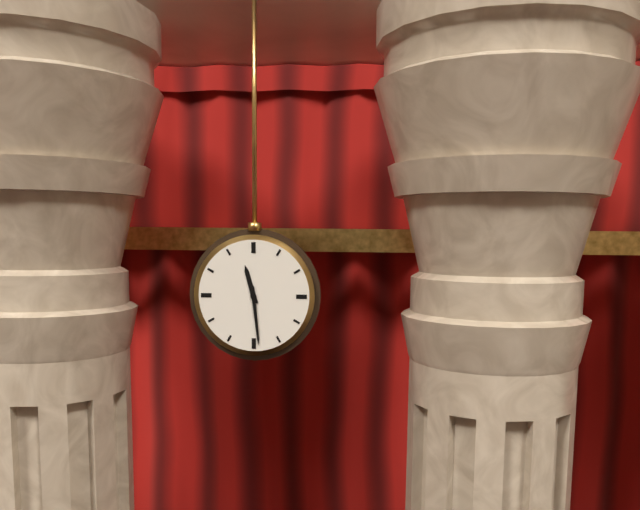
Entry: 11.29
